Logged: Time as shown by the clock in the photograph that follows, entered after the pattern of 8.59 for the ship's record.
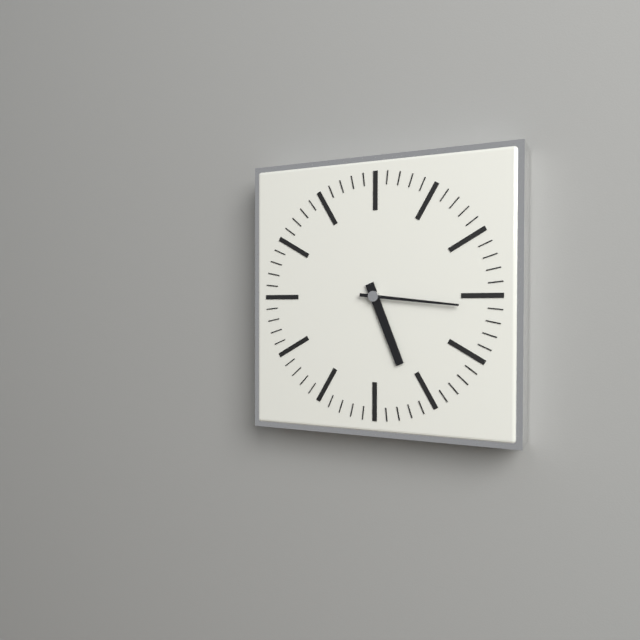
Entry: 5.16
